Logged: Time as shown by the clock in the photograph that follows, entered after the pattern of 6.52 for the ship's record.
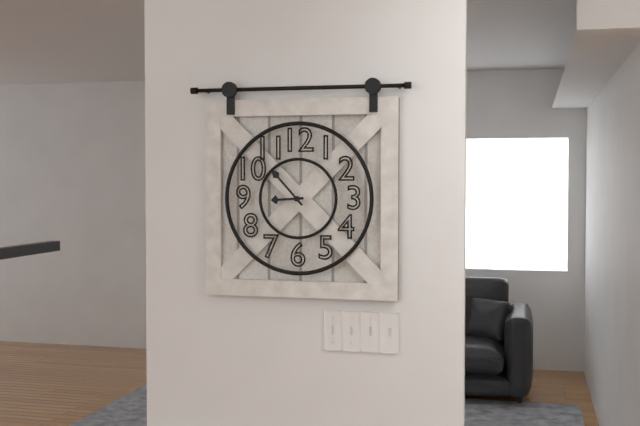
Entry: 8.53
